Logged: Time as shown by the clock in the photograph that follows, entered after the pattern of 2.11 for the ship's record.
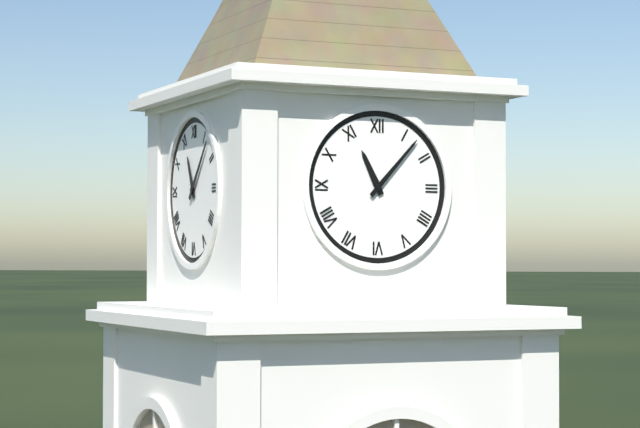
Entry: 11.07
